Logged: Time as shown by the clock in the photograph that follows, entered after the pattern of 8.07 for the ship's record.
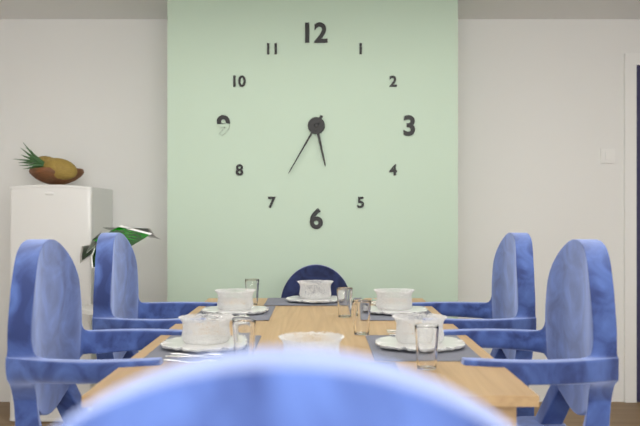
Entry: 5.35
